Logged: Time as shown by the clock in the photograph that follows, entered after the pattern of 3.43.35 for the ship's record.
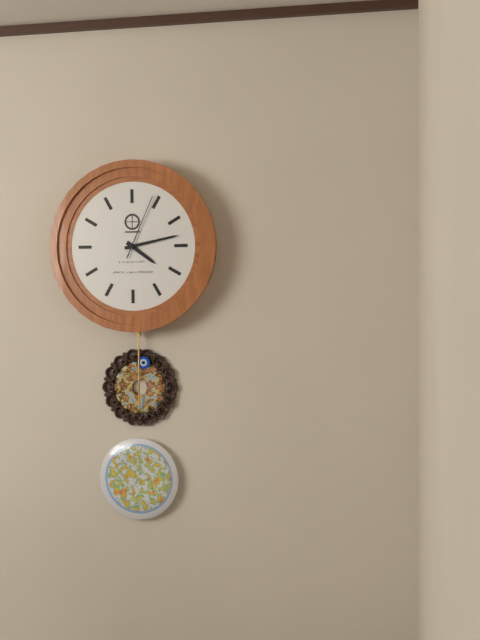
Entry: 4.13.04
